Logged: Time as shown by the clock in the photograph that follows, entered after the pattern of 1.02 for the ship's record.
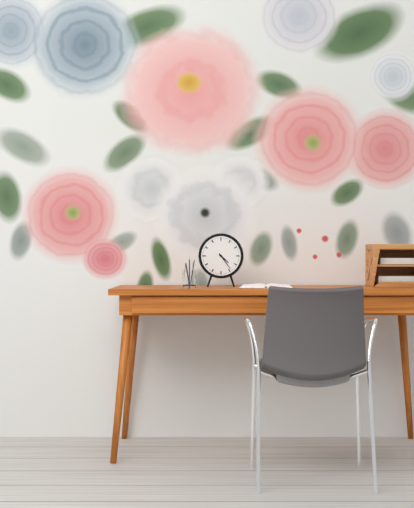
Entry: 4.24
